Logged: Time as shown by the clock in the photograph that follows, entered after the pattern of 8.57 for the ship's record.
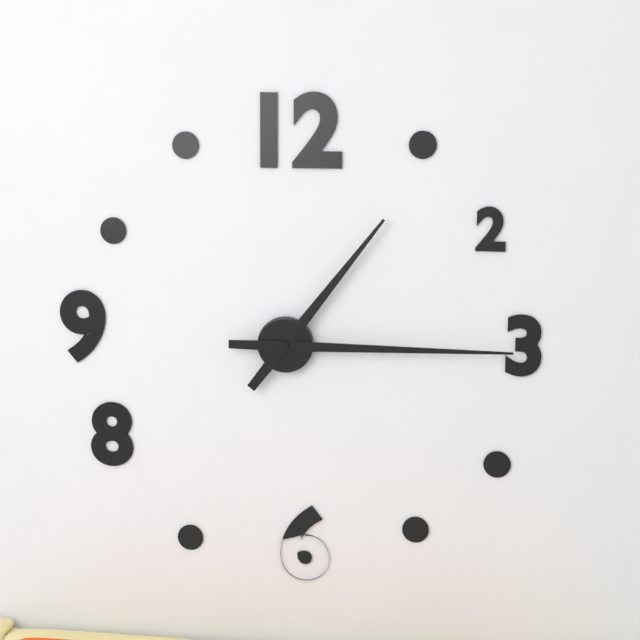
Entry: 1.15
